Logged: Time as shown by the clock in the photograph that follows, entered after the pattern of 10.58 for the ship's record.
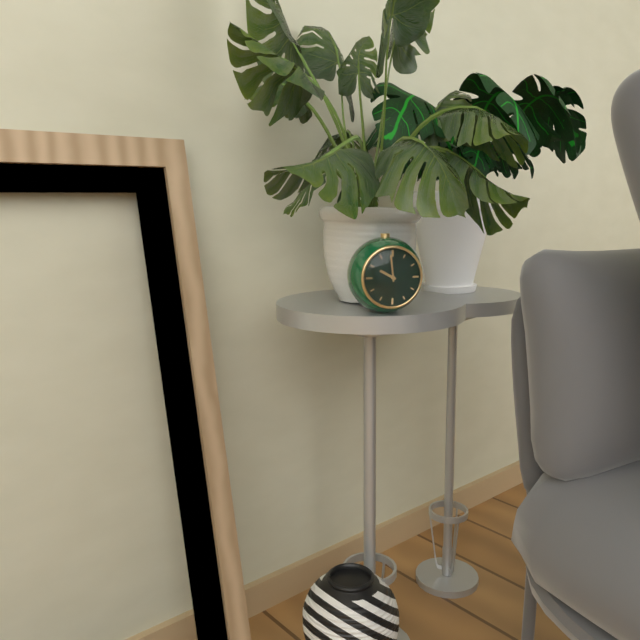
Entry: 9.59
